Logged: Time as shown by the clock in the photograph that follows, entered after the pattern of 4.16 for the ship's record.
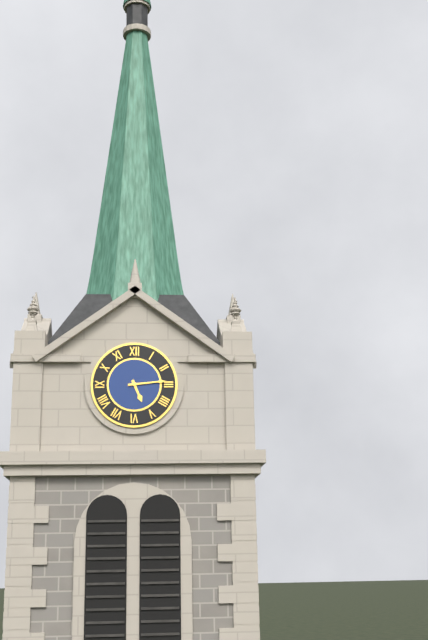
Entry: 5.14
